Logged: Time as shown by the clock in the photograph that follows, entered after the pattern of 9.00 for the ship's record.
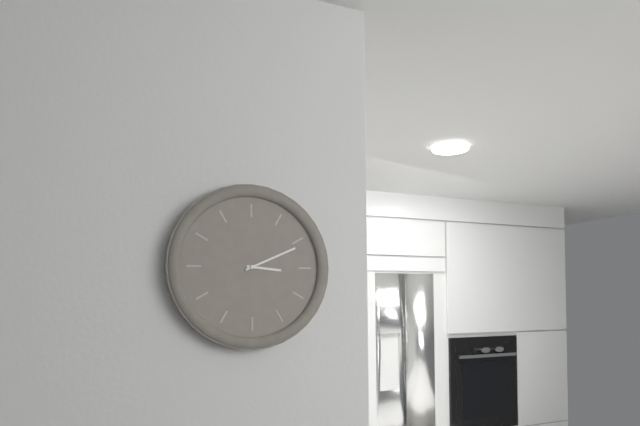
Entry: 3.11
